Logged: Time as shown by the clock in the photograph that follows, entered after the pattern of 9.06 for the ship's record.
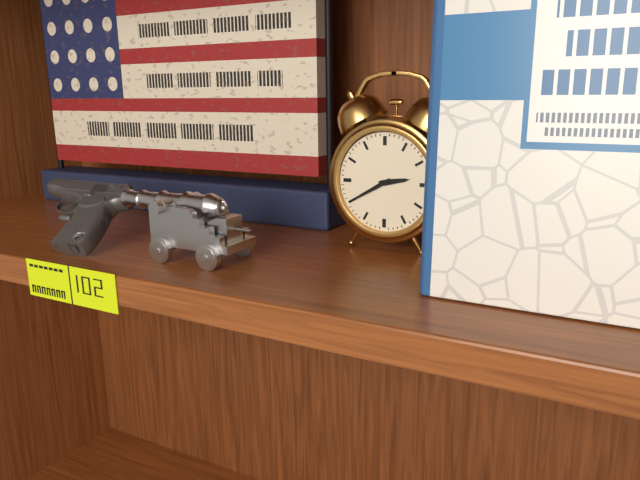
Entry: 2.40
